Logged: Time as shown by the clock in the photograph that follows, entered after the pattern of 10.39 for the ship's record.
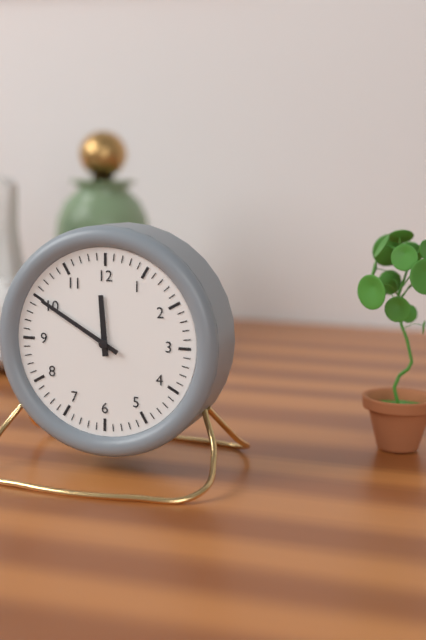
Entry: 11.50
